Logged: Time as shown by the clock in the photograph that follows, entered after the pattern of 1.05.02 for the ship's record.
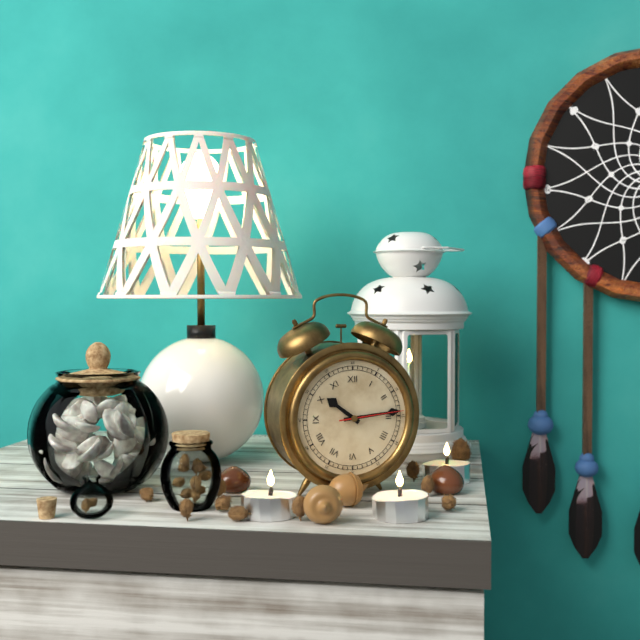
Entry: 10.14.14
